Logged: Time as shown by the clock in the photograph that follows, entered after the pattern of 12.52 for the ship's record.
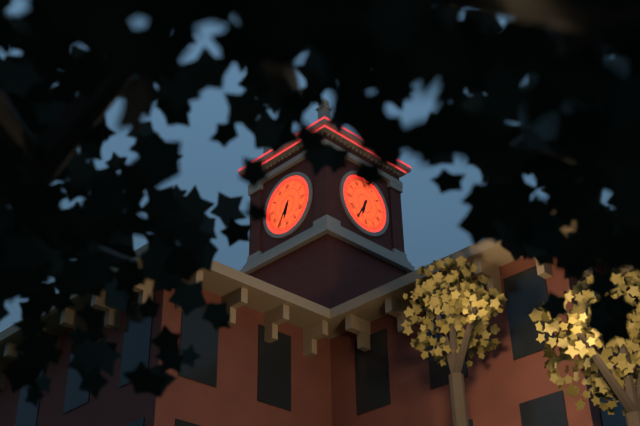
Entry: 6.35
